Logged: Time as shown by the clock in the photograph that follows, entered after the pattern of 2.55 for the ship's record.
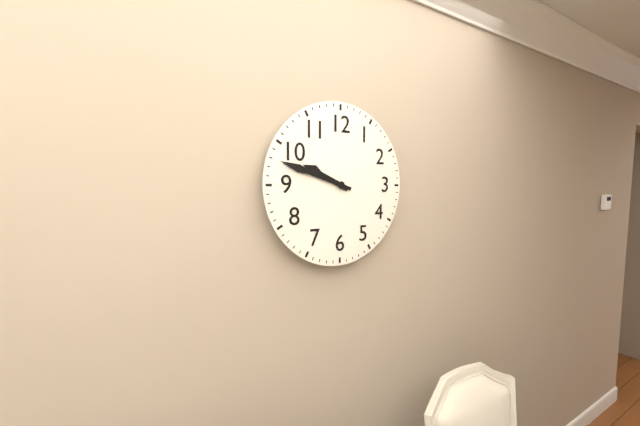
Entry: 9.48
